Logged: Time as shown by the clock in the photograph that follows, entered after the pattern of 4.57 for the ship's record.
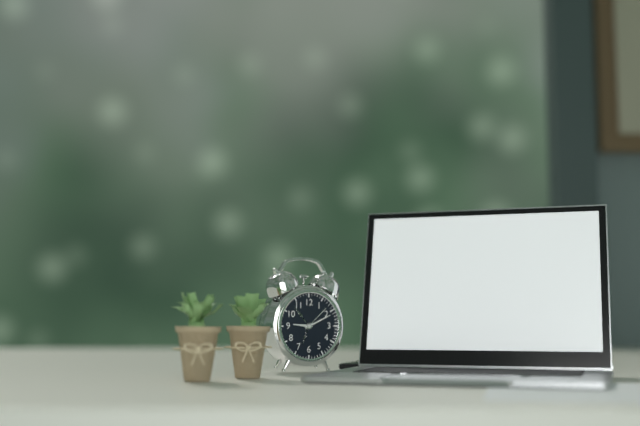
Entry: 9.11
